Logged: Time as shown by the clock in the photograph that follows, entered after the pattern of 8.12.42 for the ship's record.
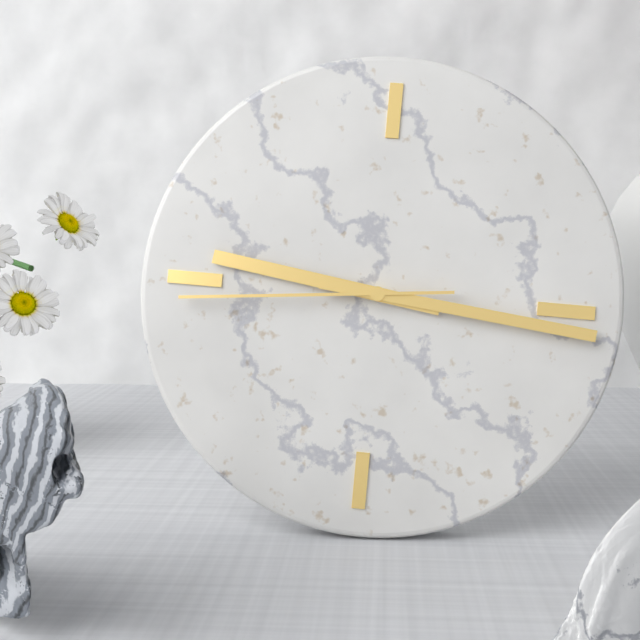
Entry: 9.16.44
